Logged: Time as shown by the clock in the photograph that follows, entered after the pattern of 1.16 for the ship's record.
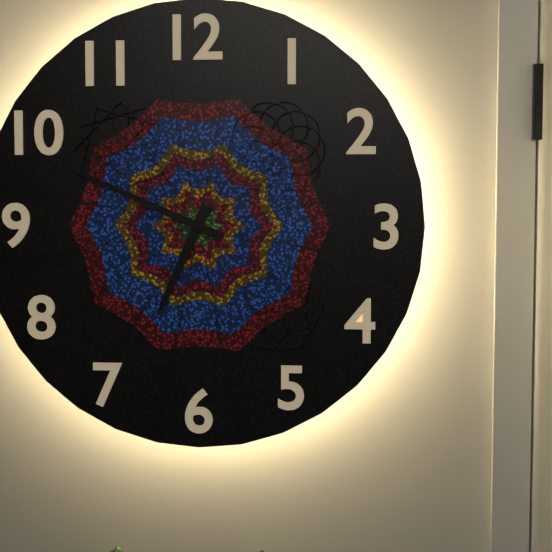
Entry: 6.49
